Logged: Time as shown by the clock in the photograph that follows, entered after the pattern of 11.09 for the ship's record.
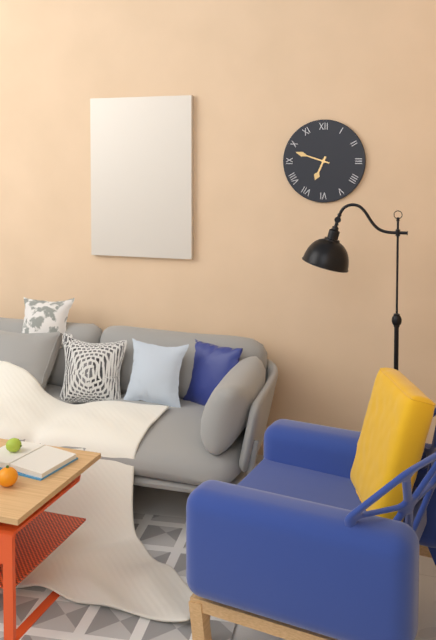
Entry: 6.48
